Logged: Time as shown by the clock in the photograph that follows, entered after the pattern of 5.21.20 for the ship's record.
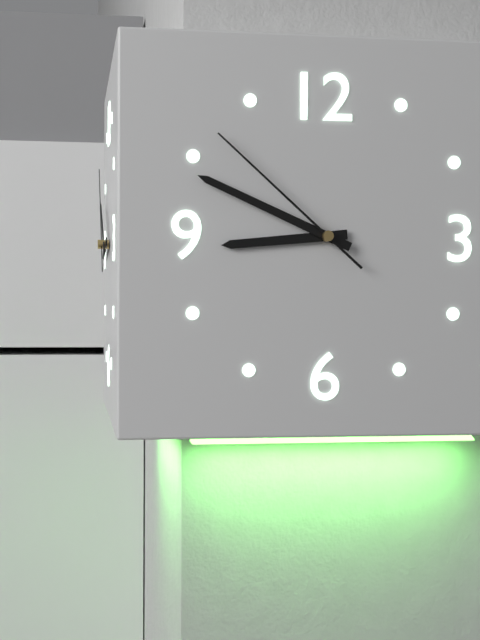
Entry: 8.49.52
